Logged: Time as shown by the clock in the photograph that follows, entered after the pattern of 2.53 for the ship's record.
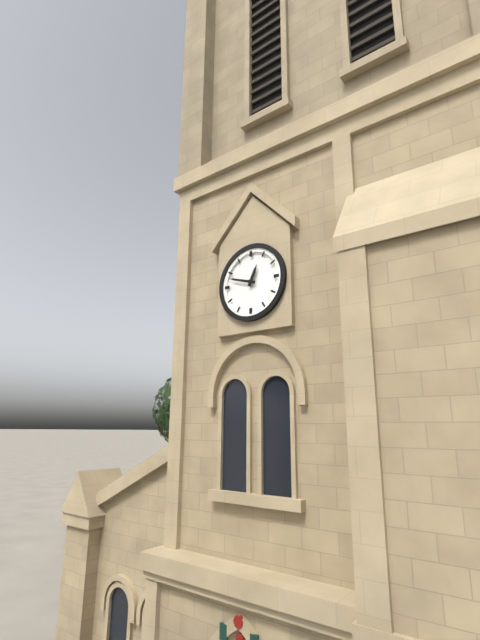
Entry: 12.48
